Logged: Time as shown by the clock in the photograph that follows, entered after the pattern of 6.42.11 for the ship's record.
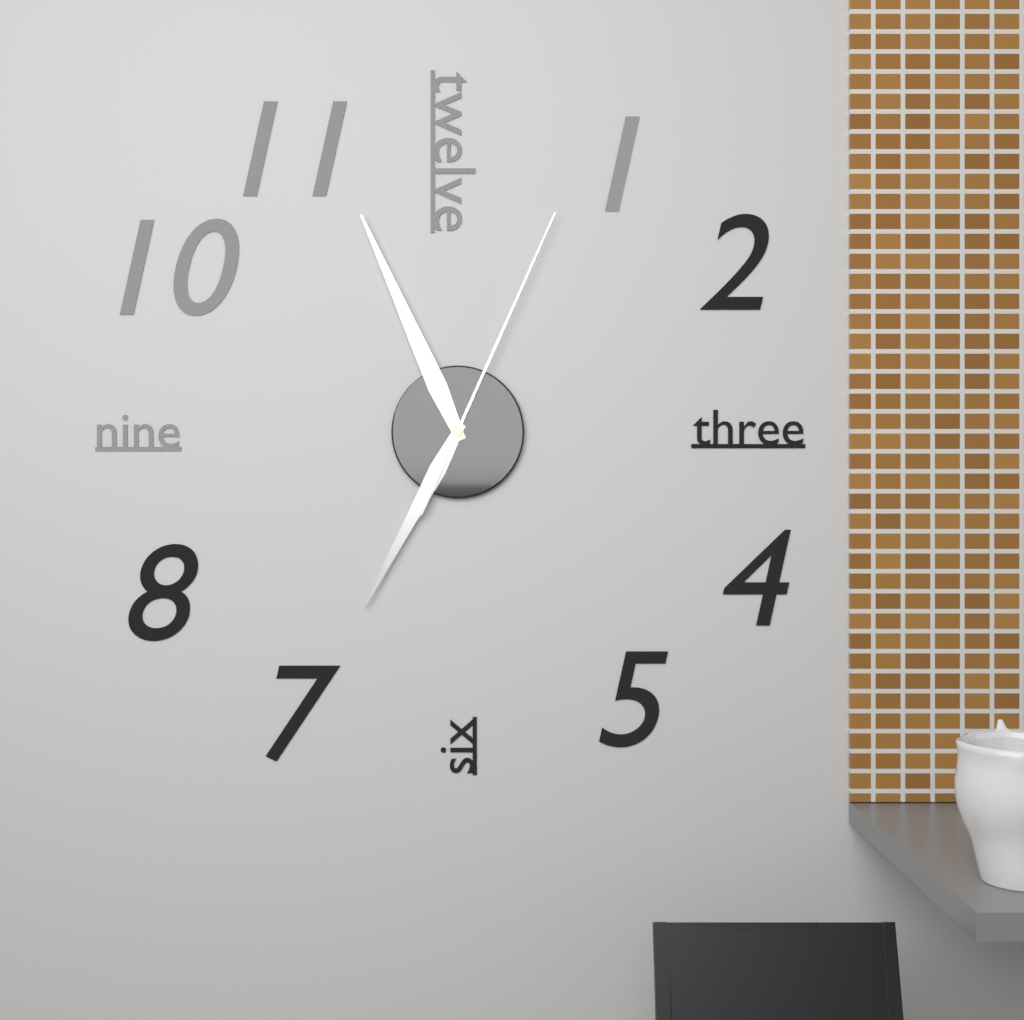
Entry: 6.56.04
